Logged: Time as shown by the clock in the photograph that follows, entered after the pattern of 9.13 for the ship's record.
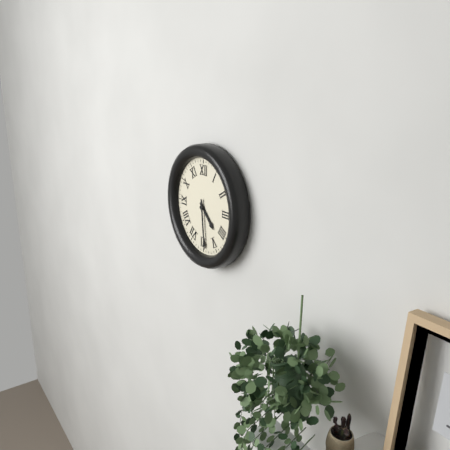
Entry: 4.29
